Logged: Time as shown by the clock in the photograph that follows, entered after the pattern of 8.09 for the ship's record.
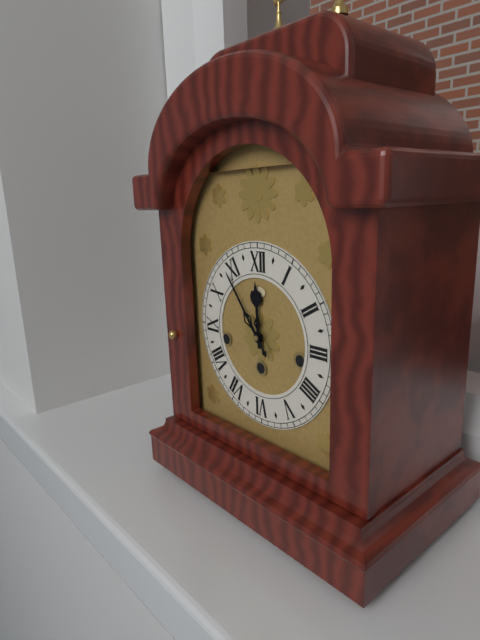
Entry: 11.54
